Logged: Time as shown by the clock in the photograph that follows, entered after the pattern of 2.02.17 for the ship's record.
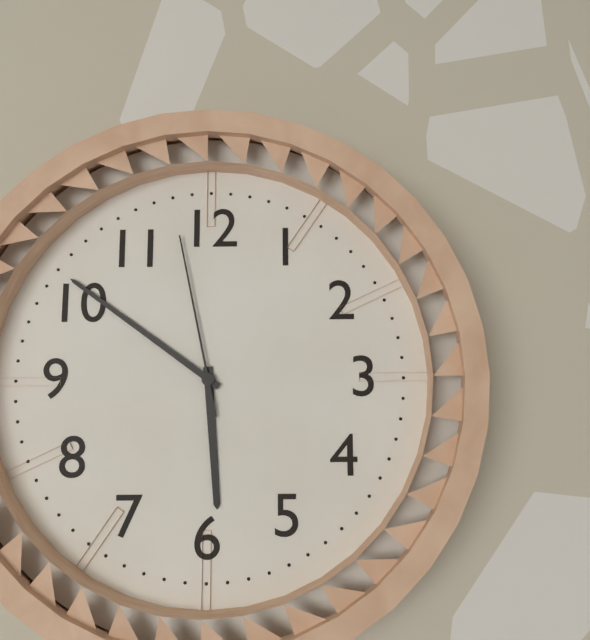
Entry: 5.51.58
